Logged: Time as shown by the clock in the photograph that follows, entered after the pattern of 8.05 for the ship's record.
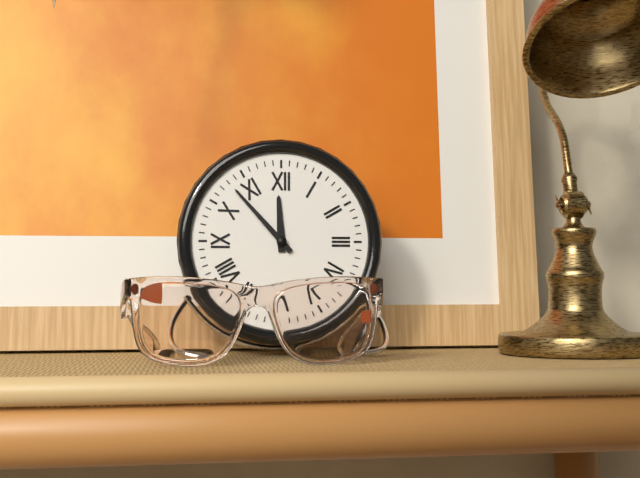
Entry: 11.53
